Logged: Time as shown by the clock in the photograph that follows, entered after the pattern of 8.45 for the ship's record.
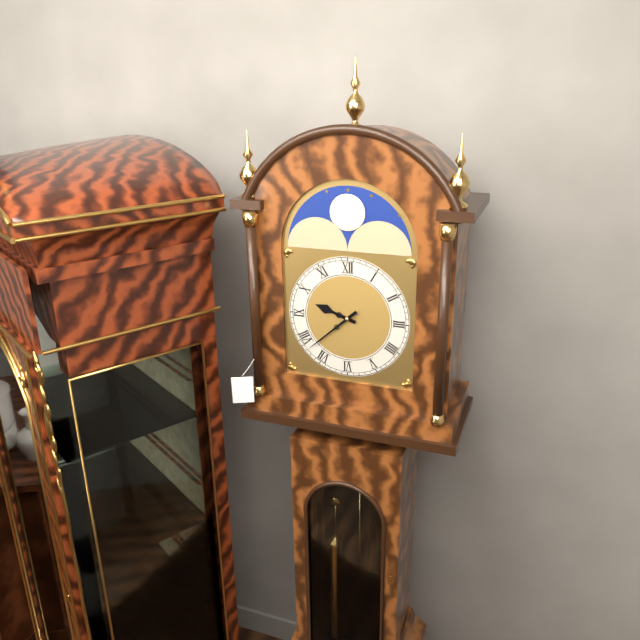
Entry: 9.38
